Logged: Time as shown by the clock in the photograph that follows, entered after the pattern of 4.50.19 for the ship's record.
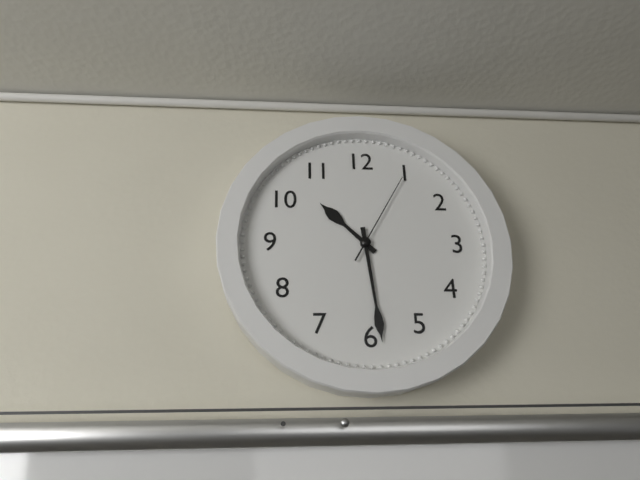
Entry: 10.29.05
